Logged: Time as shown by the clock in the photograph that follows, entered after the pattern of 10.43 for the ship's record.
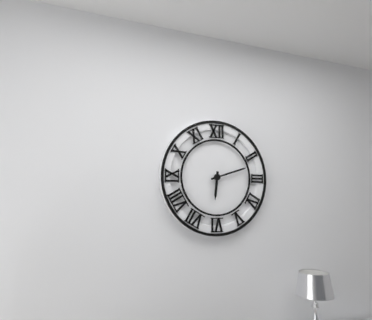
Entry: 6.12
